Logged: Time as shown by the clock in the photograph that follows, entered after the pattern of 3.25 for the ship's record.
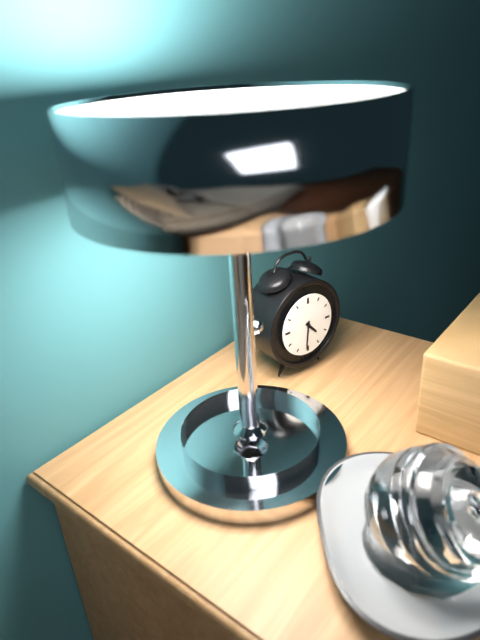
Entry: 4.31
